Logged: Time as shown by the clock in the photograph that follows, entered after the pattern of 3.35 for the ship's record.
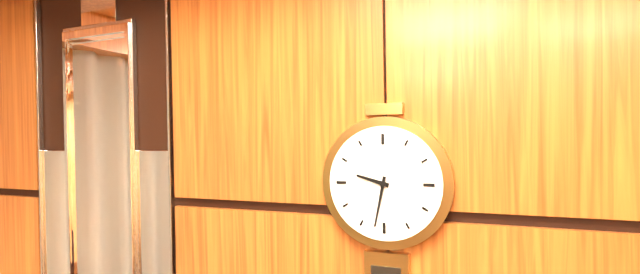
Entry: 9.32
